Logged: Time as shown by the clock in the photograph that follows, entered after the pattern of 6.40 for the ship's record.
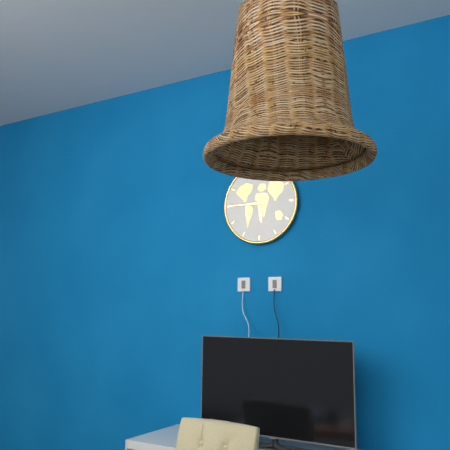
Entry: 5.45
